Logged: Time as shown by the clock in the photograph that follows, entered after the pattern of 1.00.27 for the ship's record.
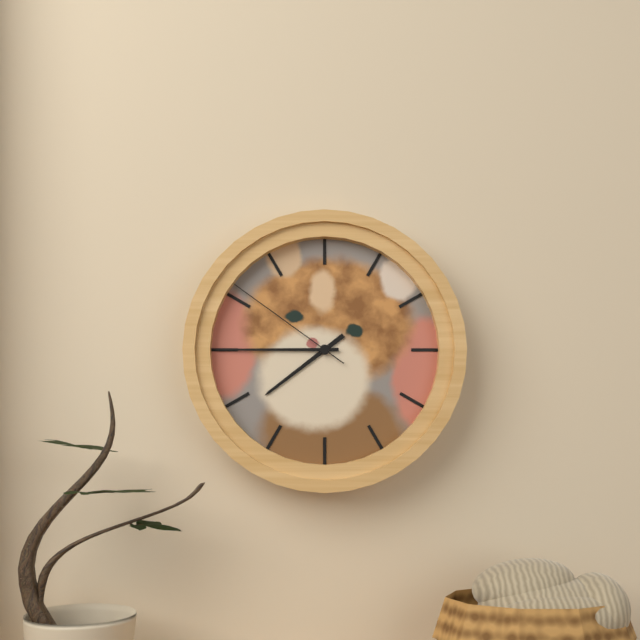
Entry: 7.45.51
